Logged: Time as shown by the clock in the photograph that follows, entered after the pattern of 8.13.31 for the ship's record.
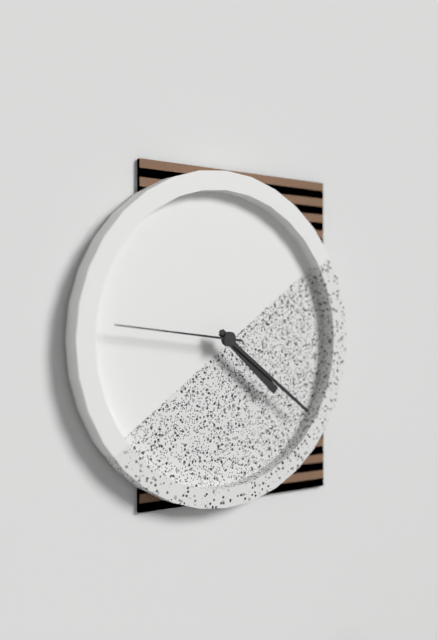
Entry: 4.21.46
